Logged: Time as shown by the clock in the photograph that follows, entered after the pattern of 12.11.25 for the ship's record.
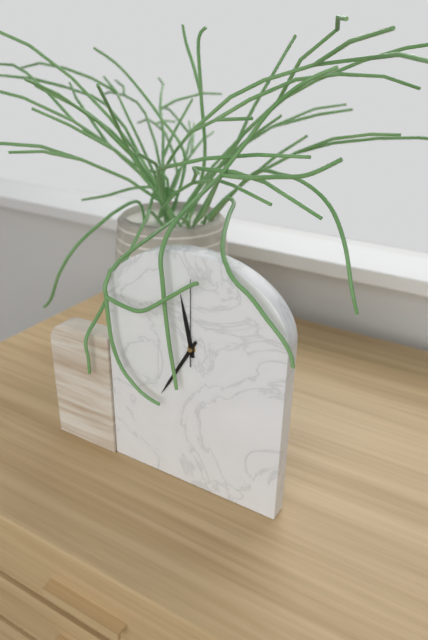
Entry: 11.35.00
